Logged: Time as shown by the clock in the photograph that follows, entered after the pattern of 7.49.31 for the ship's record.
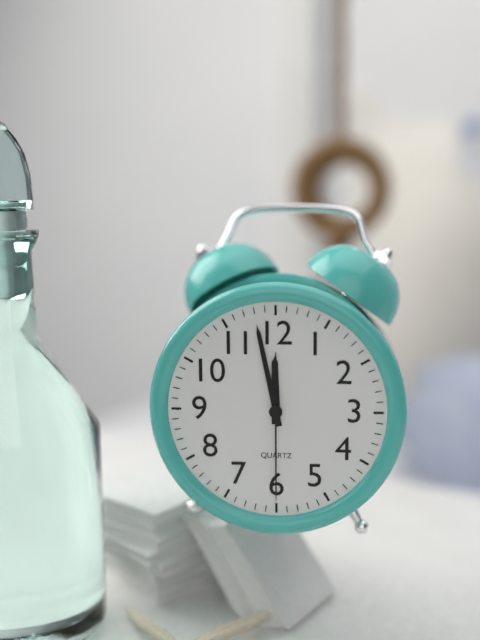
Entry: 11.58.30
